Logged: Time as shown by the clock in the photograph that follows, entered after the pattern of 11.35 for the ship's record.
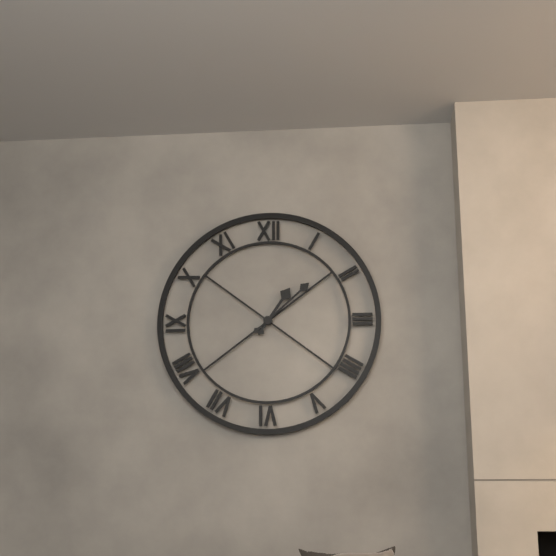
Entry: 1.08
